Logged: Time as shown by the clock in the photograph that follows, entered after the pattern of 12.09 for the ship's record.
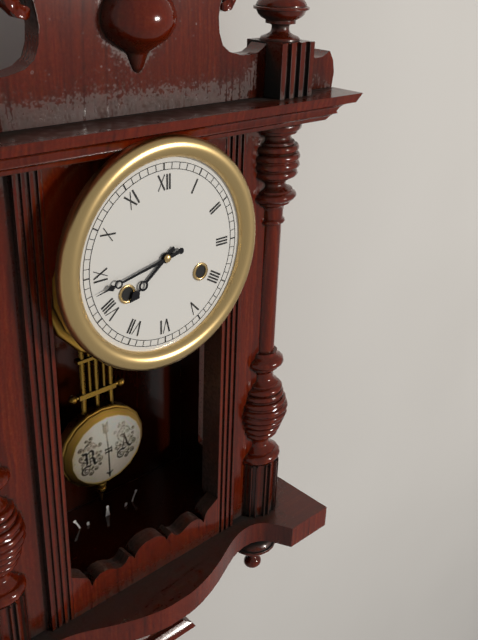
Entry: 7.43
